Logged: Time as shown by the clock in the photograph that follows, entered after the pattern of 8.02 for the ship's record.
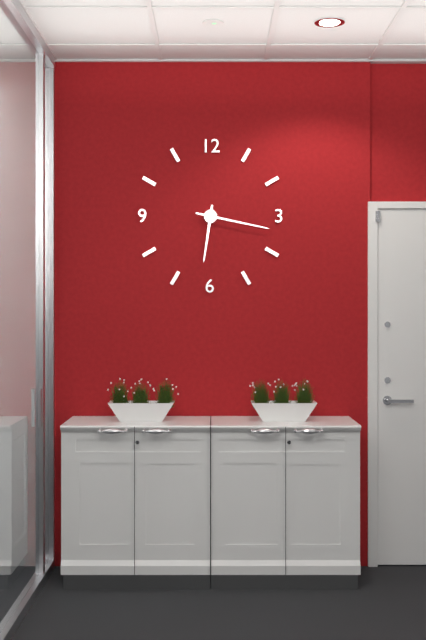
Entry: 6.17
